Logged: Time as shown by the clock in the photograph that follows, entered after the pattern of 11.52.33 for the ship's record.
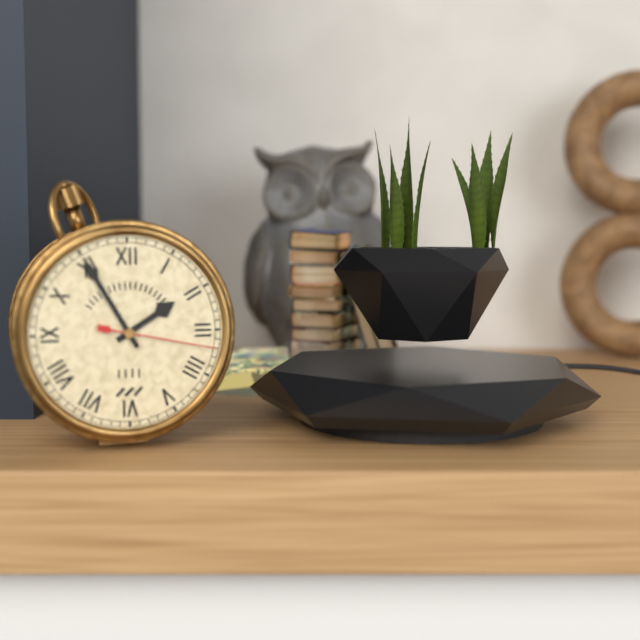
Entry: 1.55.17
